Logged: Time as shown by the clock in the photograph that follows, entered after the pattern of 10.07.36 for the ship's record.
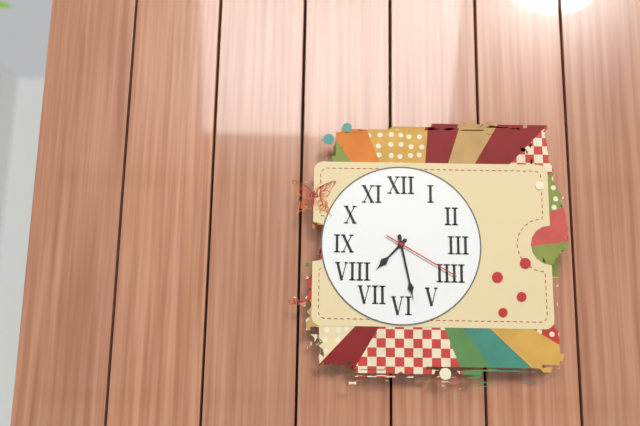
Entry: 7.28.20
